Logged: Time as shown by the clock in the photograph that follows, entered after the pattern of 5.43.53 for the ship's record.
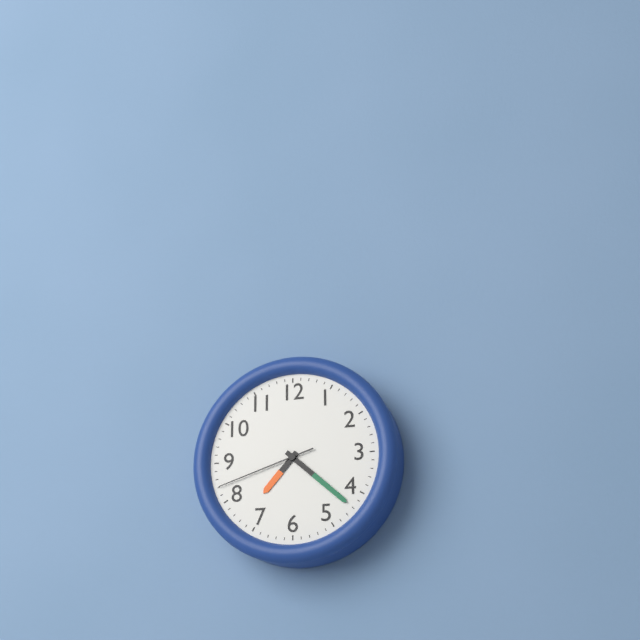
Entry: 7.22.42
